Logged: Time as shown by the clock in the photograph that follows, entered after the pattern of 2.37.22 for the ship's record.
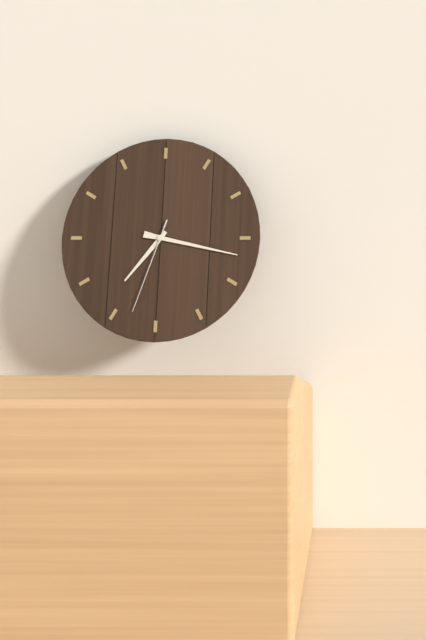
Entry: 7.17.33
